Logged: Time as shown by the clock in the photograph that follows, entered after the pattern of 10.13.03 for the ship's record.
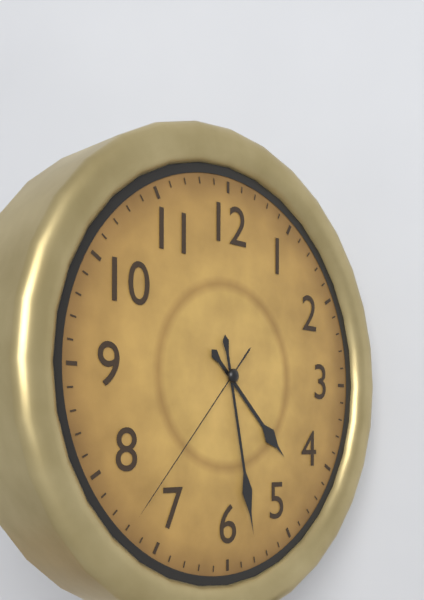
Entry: 4.28.37
